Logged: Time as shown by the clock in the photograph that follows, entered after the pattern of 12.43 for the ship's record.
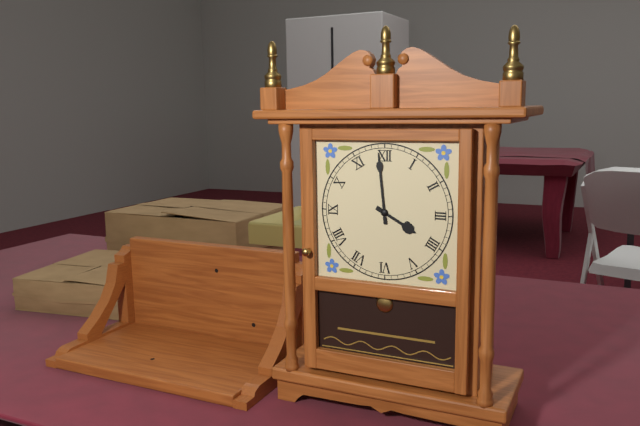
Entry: 3.59
